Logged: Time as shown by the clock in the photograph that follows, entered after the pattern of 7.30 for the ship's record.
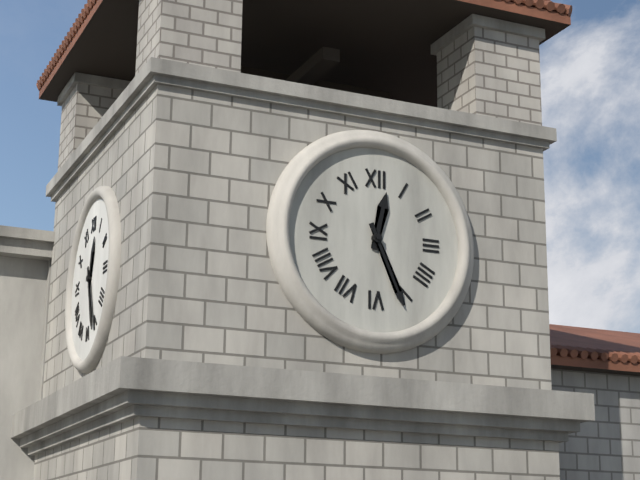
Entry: 12.26
